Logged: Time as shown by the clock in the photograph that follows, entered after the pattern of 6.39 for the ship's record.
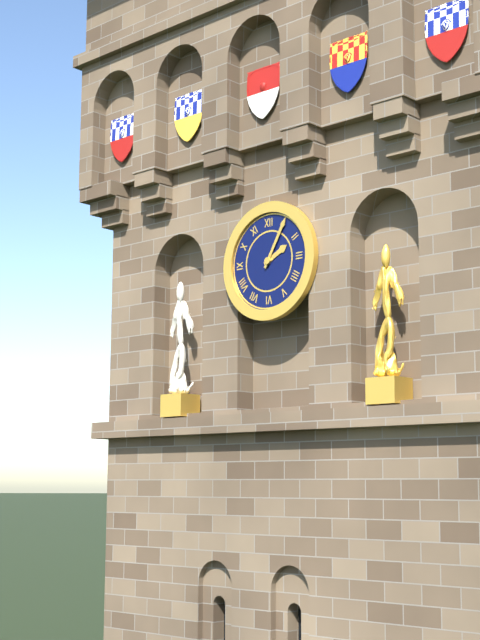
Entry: 2.05
